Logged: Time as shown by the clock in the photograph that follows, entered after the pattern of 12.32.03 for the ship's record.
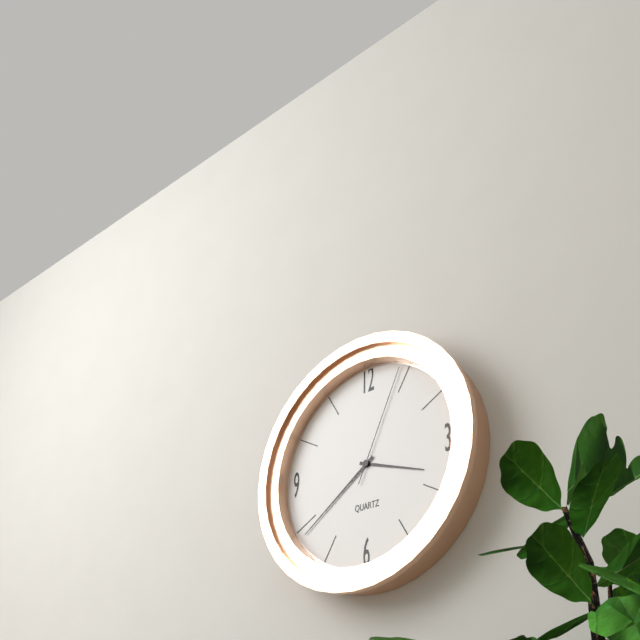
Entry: 3.39.04
